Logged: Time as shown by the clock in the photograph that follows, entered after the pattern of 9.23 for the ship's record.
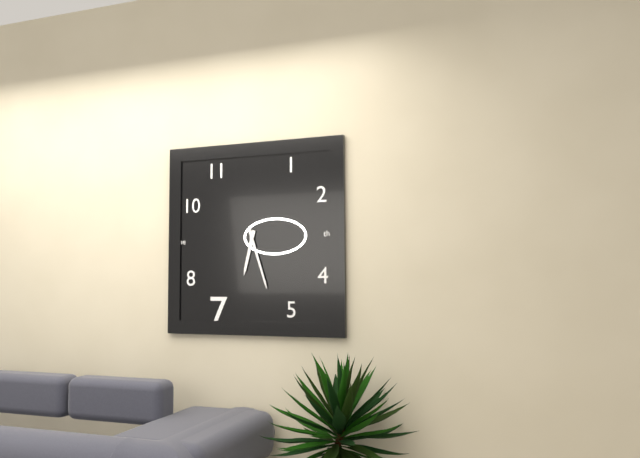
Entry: 6.27
